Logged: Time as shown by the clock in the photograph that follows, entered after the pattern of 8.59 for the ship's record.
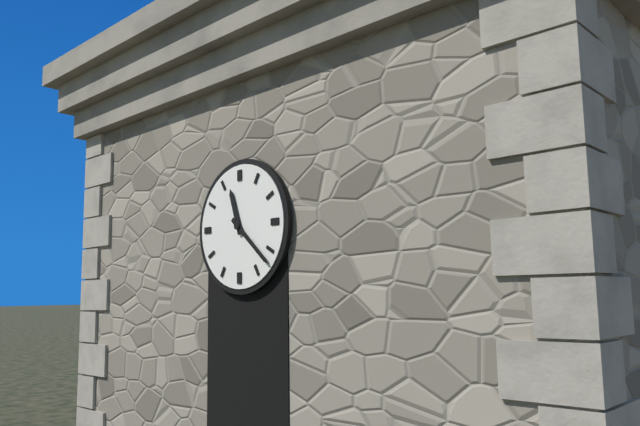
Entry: 11.22
